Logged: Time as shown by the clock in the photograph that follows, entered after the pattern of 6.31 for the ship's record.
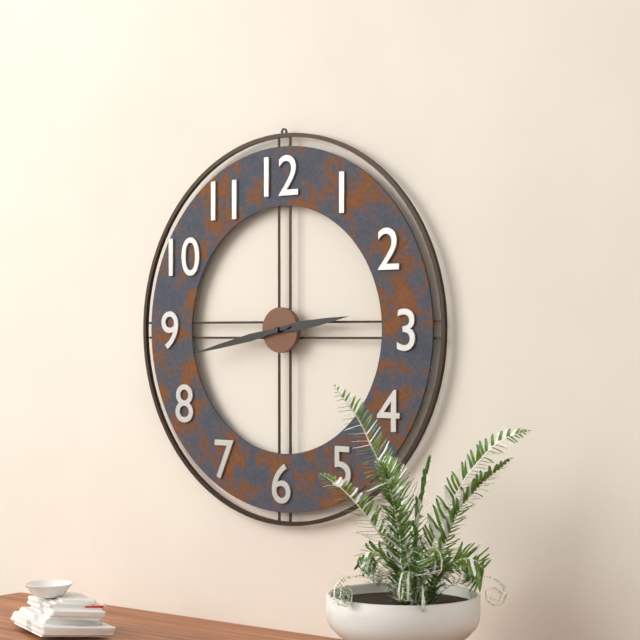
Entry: 2.43
